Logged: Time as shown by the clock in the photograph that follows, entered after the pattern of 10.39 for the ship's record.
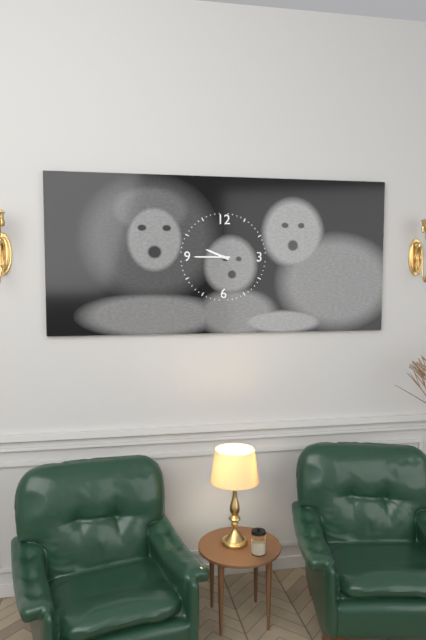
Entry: 9.45
